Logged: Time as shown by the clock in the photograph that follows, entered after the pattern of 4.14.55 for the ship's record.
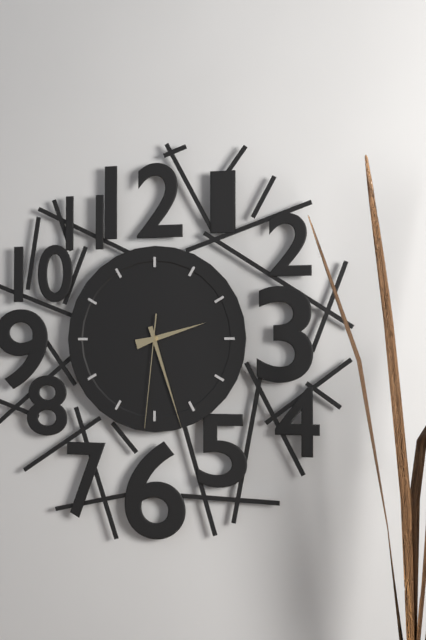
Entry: 2.27.31
